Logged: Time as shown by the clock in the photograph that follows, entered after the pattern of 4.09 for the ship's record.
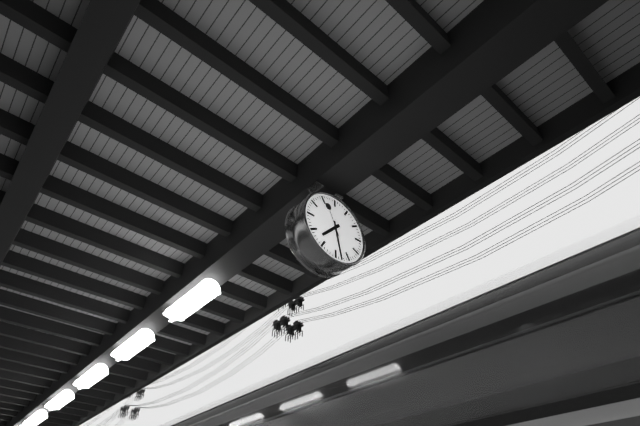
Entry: 7.28
